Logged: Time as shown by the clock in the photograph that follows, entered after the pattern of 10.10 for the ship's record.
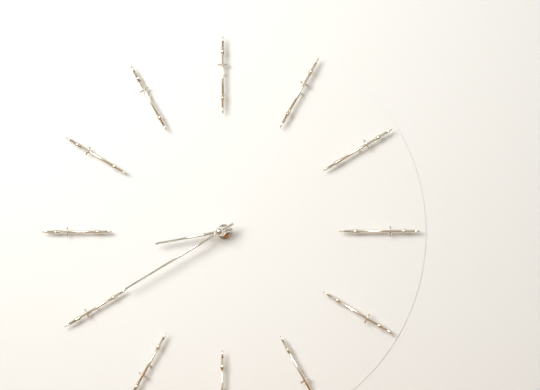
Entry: 8.40
